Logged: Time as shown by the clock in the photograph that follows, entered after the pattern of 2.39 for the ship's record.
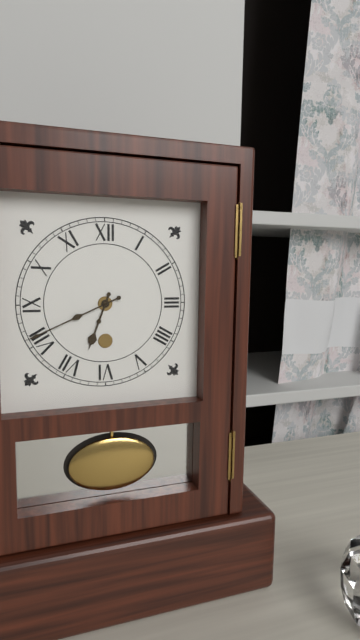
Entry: 6.41
